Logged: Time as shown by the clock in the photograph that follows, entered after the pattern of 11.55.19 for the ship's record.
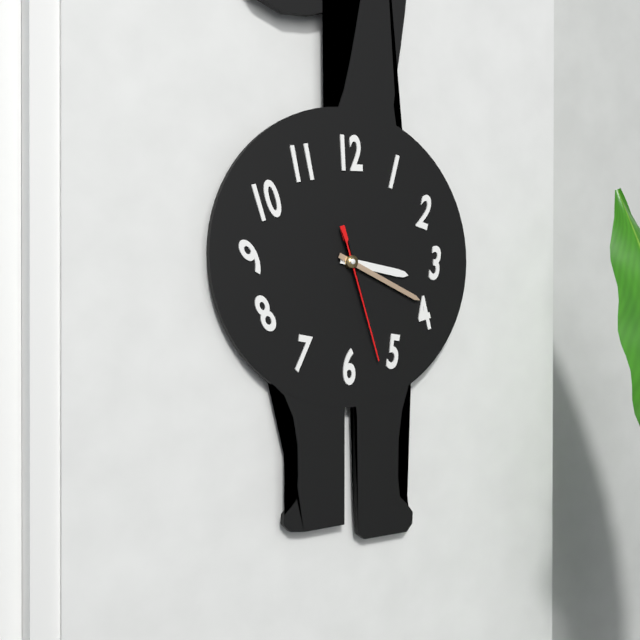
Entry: 3.19.27
